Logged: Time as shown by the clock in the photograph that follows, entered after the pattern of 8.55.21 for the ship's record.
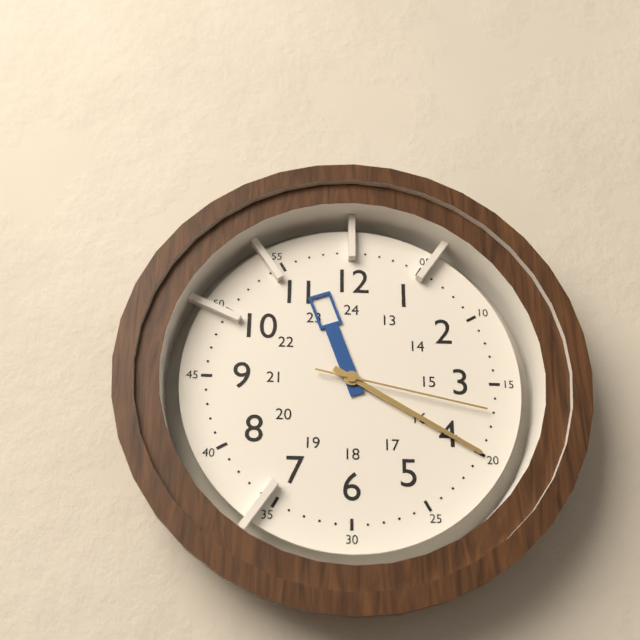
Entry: 11.20.17
